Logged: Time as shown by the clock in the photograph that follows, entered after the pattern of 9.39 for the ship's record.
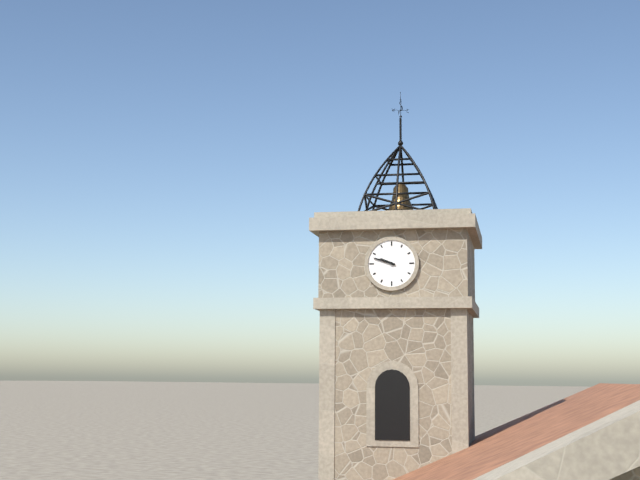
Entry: 9.48
